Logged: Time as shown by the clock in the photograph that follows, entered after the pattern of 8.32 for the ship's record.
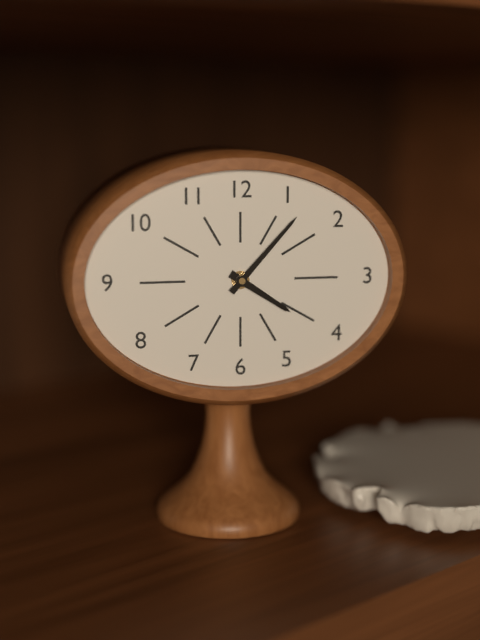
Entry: 4.07
